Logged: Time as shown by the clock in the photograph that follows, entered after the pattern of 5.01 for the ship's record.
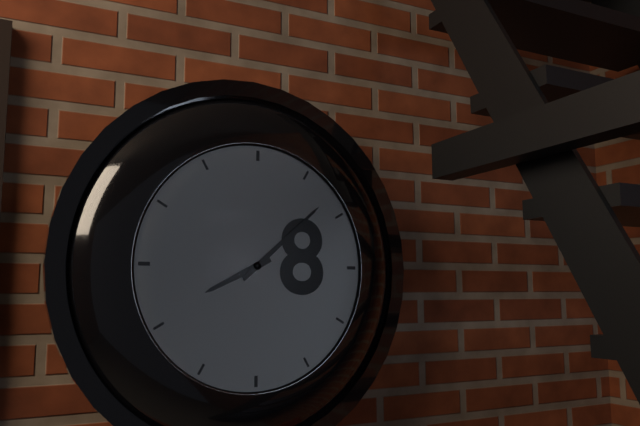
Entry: 8.08
